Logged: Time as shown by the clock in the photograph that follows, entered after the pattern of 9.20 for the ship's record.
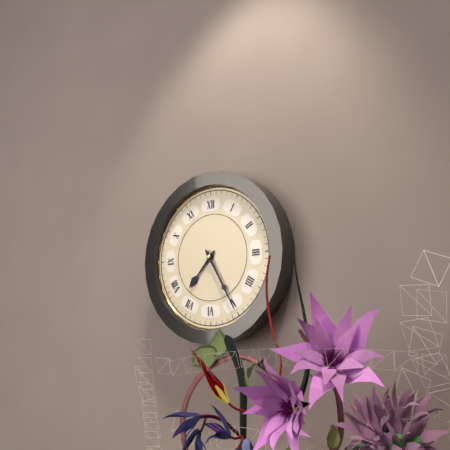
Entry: 7.25
